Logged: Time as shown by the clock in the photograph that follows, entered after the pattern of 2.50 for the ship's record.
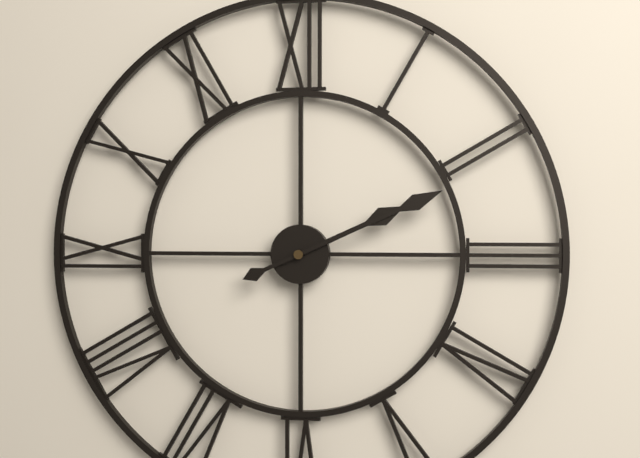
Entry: 2.11
